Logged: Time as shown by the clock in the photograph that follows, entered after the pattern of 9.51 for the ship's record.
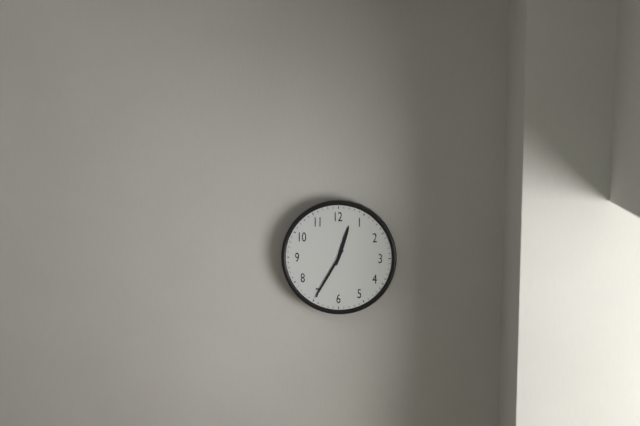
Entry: 12.35
